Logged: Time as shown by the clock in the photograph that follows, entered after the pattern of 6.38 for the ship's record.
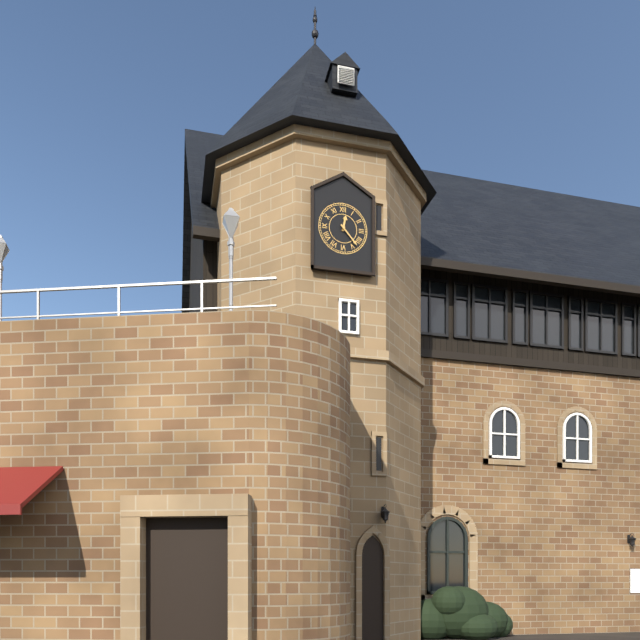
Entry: 12.23
